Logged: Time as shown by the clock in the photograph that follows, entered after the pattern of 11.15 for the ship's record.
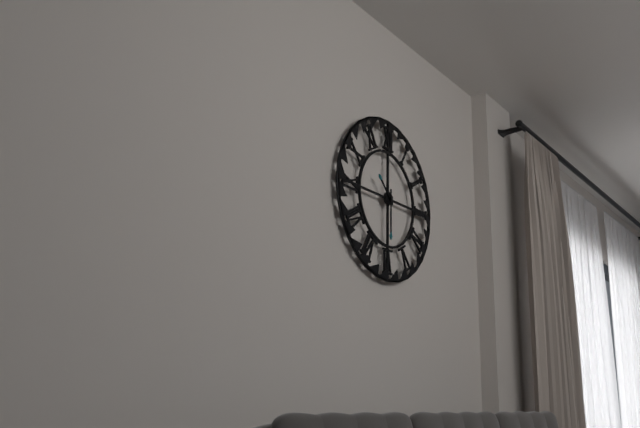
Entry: 10.30
